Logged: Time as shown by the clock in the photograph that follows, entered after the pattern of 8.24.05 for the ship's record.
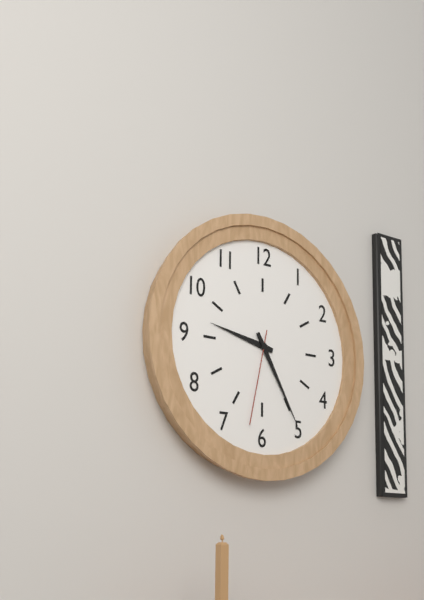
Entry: 9.25.32
